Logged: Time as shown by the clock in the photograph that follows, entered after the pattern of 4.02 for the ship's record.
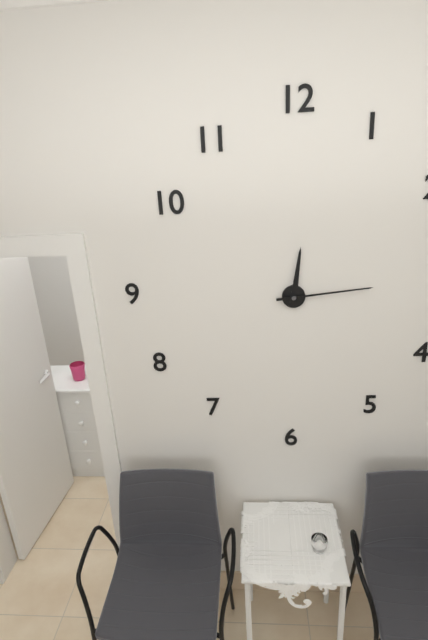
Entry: 12.14
